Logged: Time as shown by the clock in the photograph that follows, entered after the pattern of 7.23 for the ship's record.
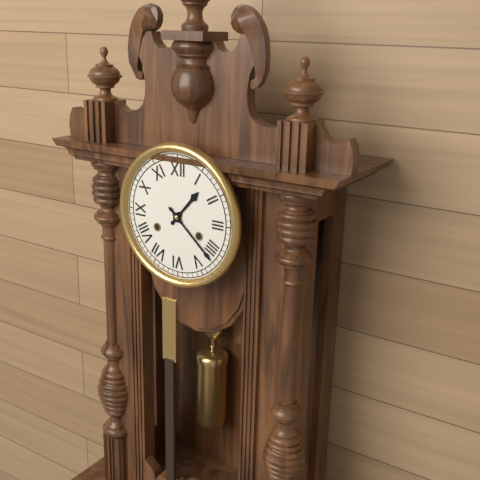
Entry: 1.22
